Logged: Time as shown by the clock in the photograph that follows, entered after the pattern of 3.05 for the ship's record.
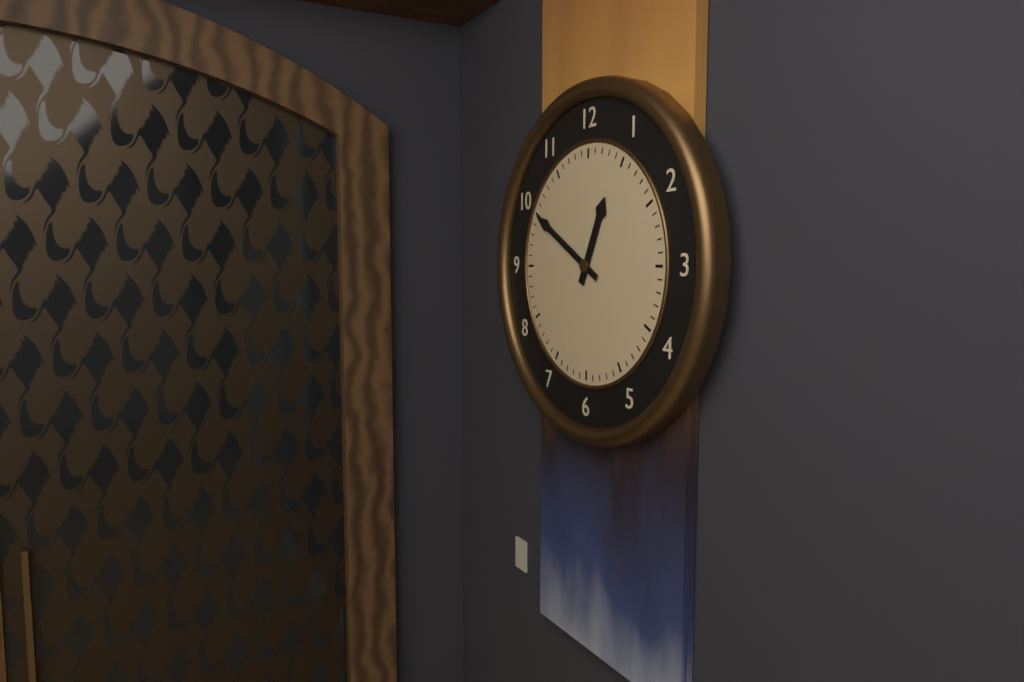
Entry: 12.50
